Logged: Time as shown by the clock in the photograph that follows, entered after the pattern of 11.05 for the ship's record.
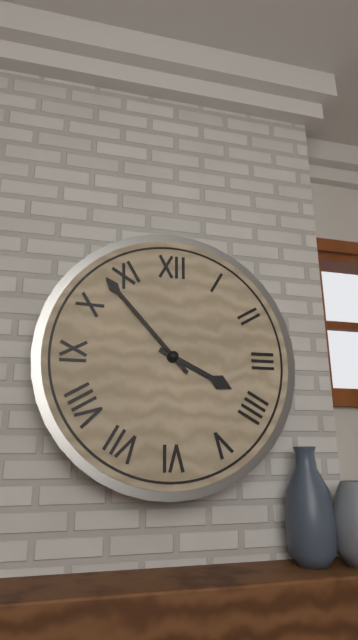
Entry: 3.53
